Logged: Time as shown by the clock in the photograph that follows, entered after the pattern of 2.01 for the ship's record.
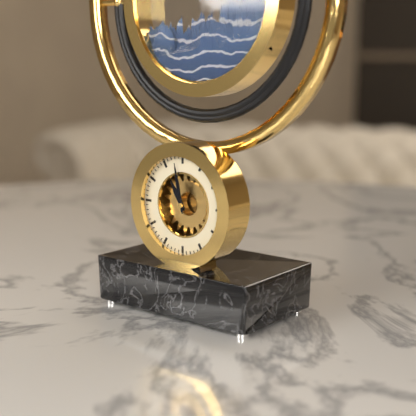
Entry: 10.58
